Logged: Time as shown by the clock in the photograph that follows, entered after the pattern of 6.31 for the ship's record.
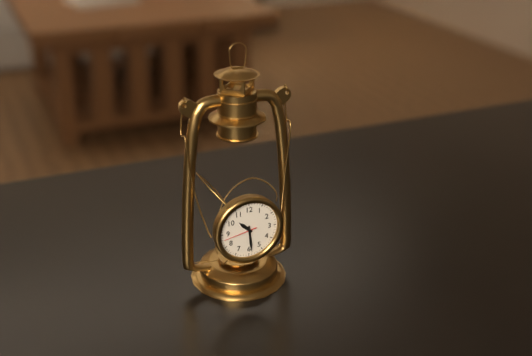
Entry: 10.29
